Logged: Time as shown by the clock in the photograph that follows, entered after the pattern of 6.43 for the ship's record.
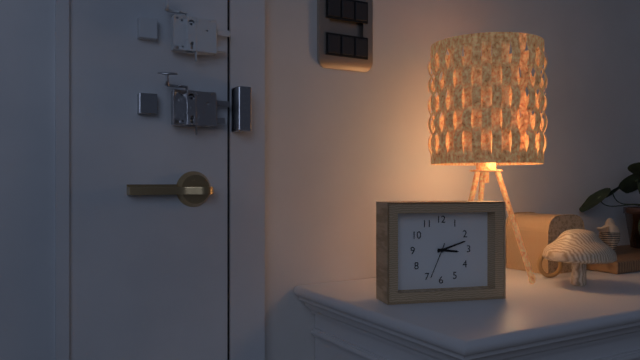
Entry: 3.12
